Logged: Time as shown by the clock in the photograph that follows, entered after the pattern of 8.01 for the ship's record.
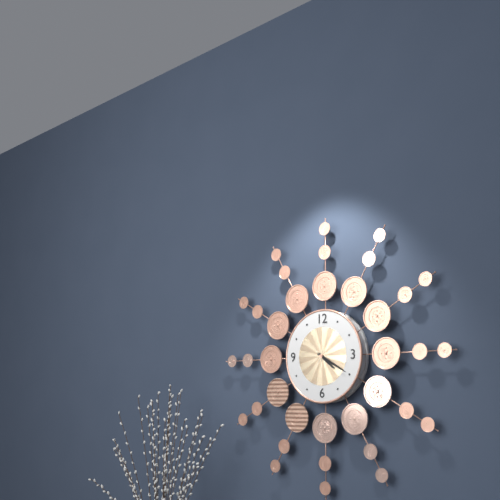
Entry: 4.20
